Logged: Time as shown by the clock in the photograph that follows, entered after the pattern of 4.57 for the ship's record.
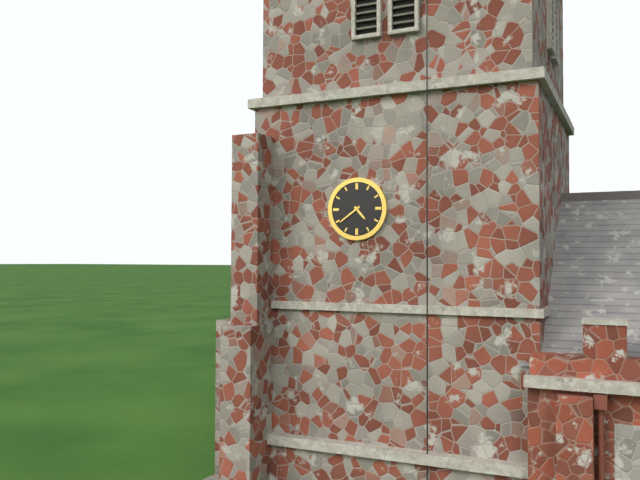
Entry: 4.39
